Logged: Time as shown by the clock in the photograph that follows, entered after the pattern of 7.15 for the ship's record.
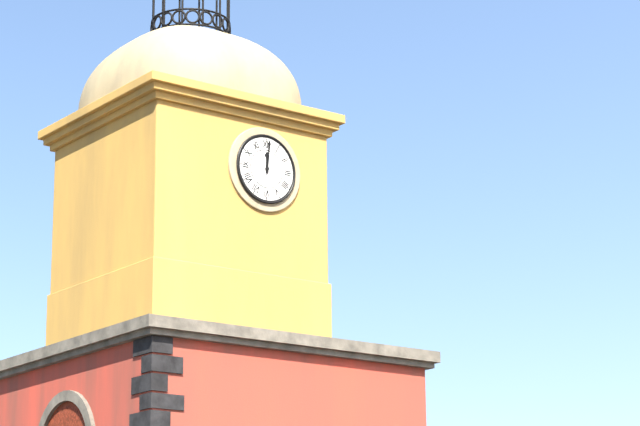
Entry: 12.01
